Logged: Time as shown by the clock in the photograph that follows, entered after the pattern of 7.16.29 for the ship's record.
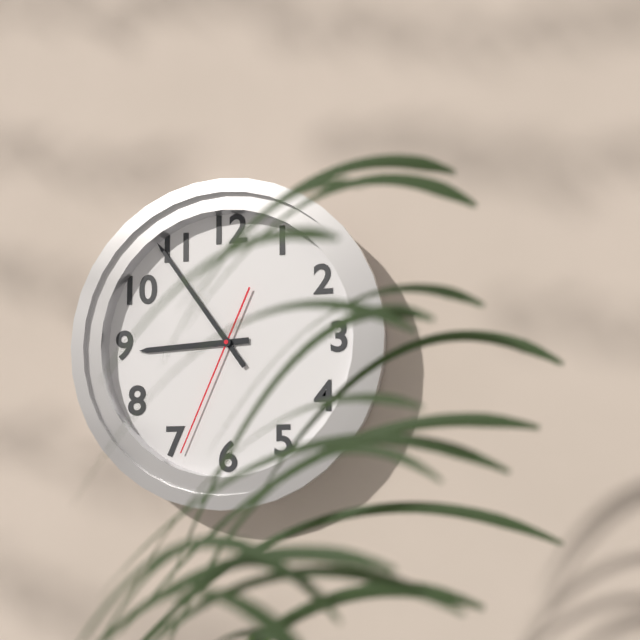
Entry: 8.54.34
